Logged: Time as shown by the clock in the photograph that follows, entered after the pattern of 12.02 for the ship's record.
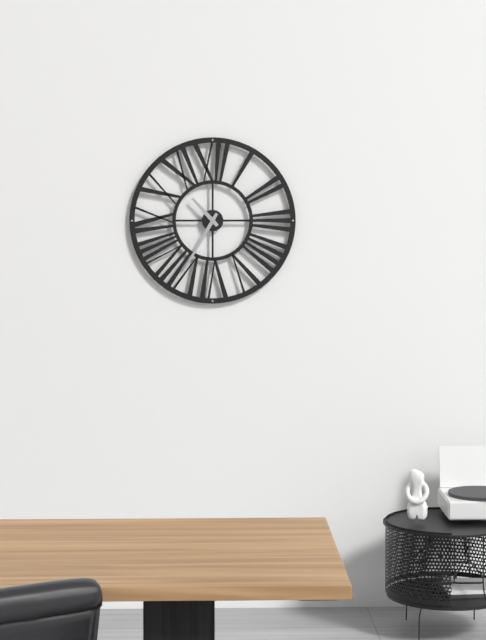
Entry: 10.35
